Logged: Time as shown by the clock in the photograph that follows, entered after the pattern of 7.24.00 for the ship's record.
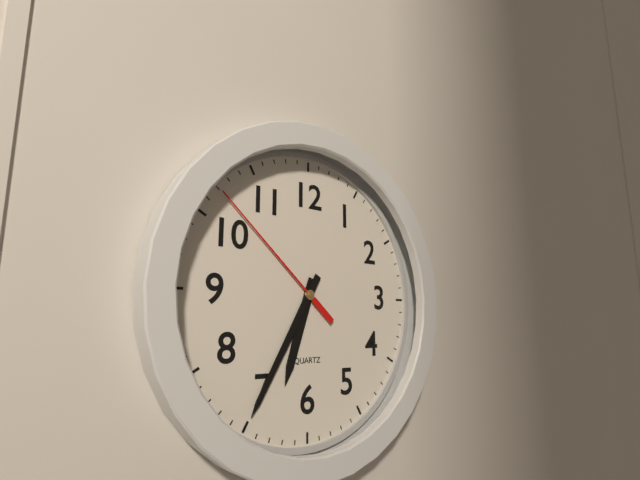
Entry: 6.35.52
